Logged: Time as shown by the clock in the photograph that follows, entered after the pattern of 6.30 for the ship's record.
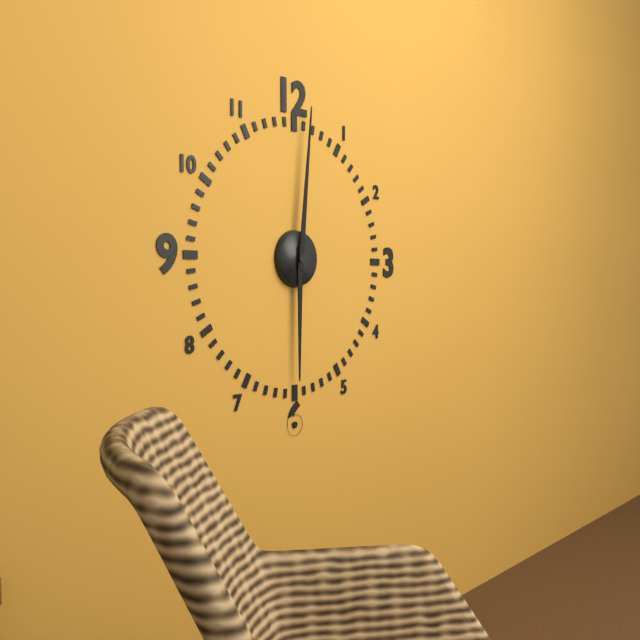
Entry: 6.01
